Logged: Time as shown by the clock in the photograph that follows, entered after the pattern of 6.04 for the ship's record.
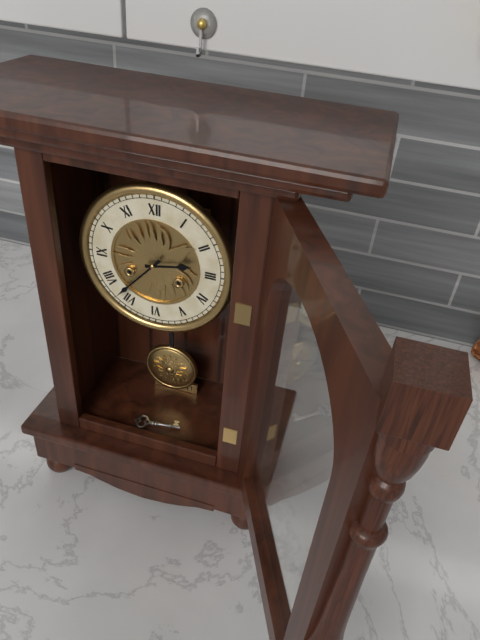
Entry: 2.37
